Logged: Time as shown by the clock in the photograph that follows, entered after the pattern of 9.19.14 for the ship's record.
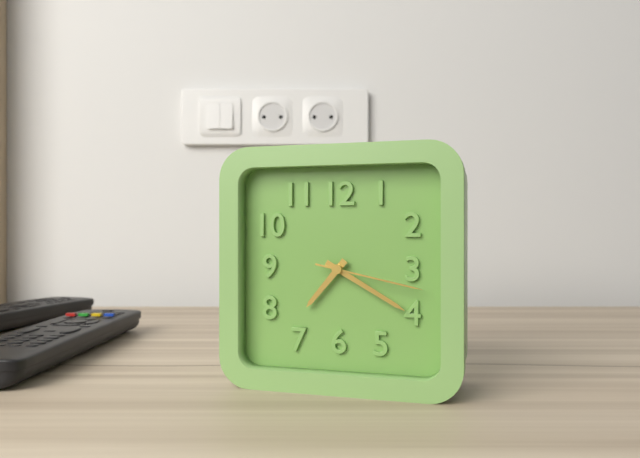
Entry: 7.20.17
